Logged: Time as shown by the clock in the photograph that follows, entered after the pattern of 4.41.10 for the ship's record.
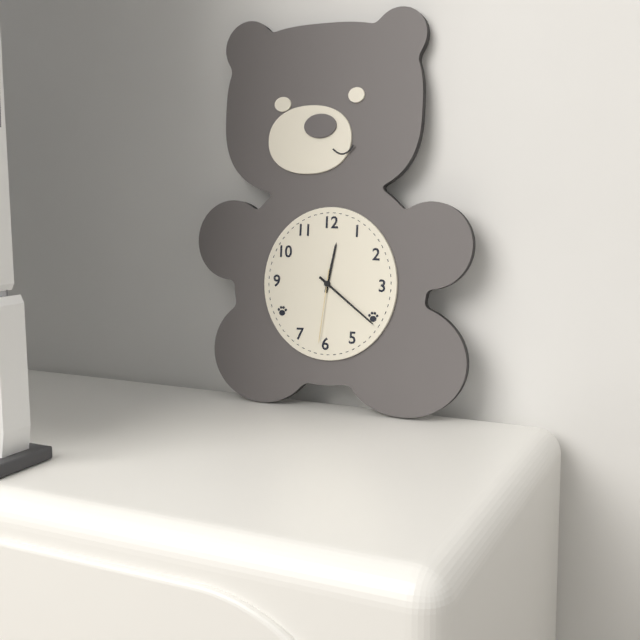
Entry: 12.21.31
